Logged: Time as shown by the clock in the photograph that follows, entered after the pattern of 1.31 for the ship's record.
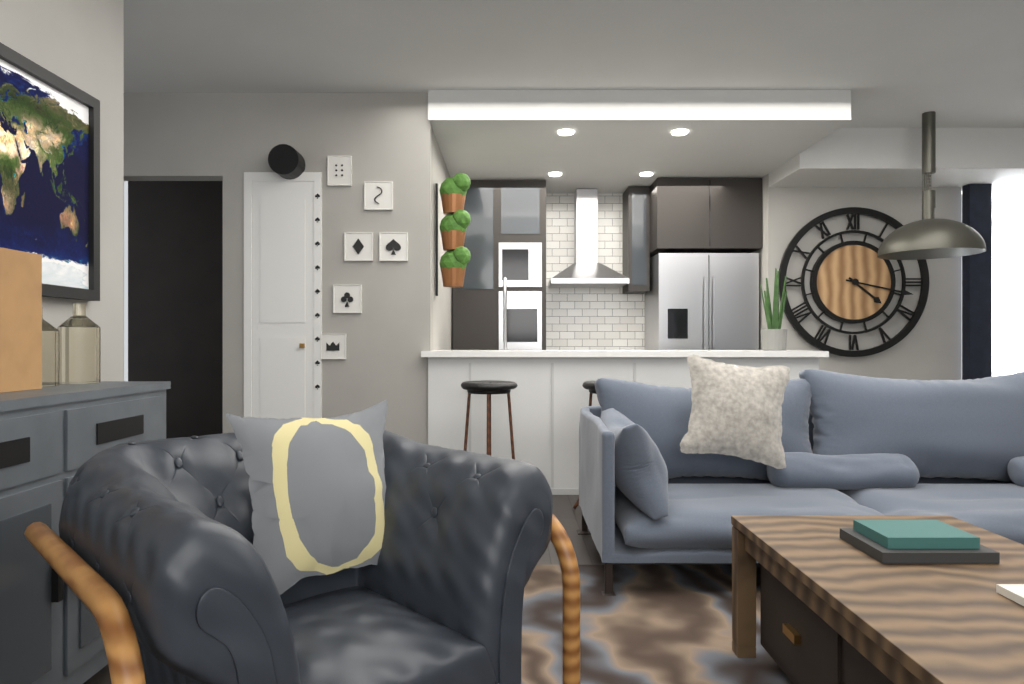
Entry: 4.17
